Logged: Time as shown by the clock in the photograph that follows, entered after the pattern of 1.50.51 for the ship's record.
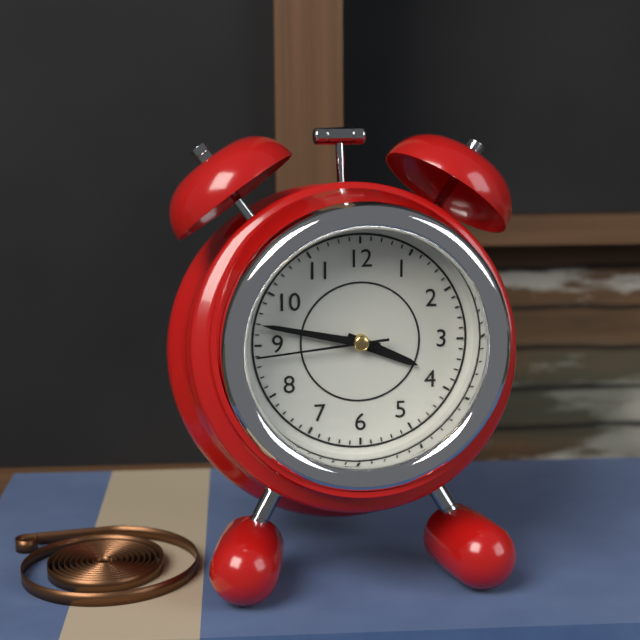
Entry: 3.47.44
